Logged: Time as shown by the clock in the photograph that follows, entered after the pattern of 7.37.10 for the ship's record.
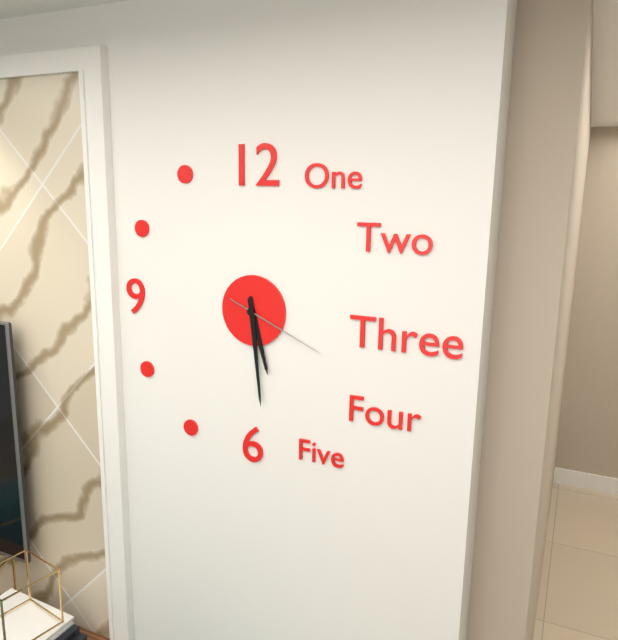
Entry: 5.29.19
